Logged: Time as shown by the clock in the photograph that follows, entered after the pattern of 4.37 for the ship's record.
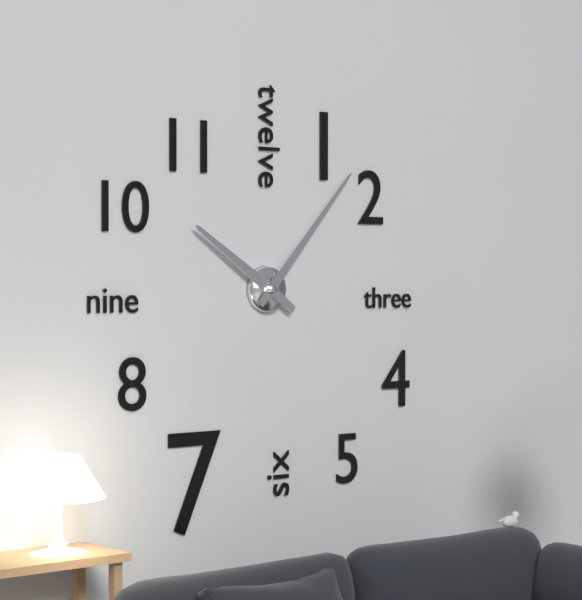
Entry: 10.07
